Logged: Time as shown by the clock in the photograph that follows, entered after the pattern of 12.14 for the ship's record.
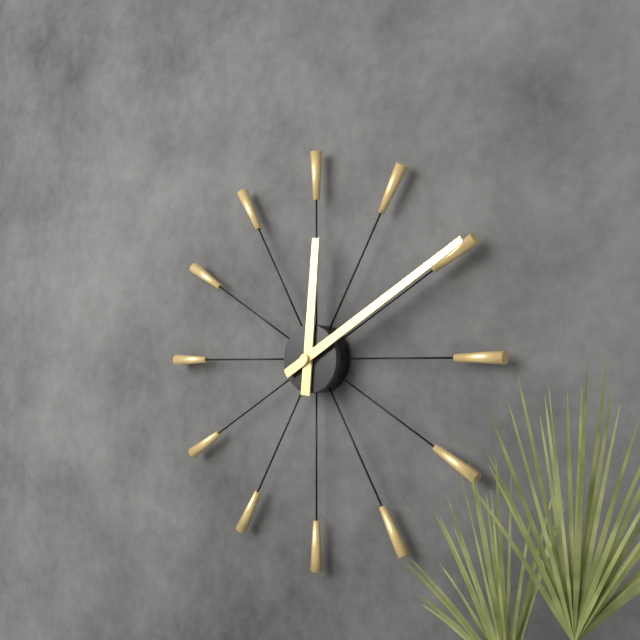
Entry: 12.10
